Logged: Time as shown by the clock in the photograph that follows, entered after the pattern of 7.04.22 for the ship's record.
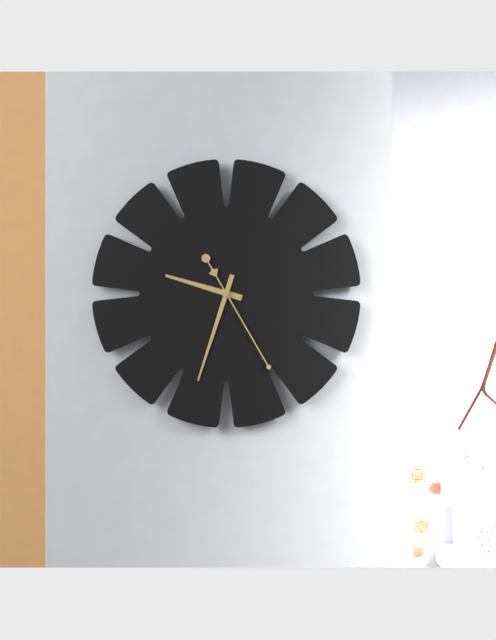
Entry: 9.33.25
